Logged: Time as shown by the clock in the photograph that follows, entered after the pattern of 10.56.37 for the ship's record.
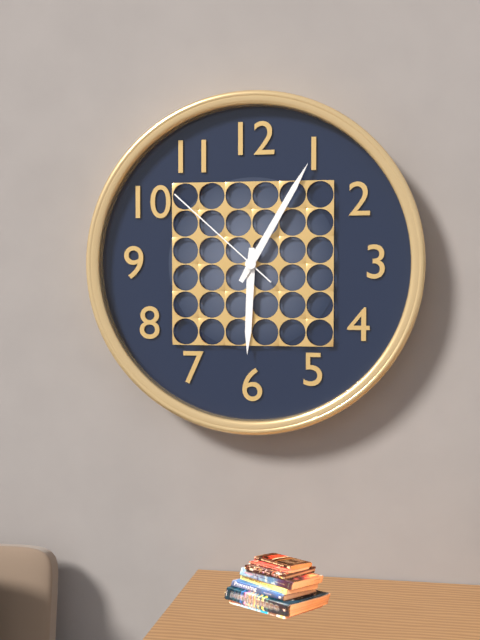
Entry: 6.05.52
